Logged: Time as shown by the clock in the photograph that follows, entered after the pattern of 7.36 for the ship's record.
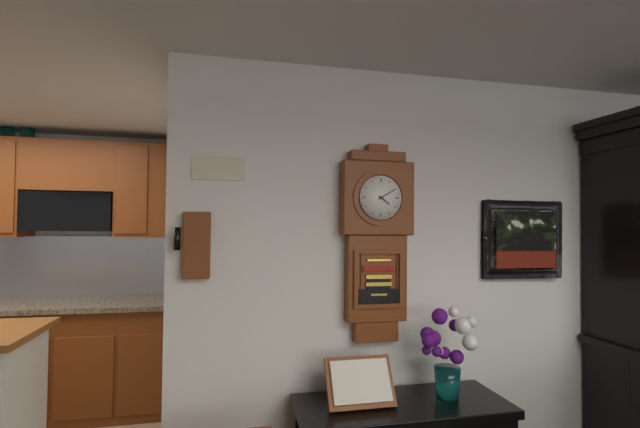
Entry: 4.10
